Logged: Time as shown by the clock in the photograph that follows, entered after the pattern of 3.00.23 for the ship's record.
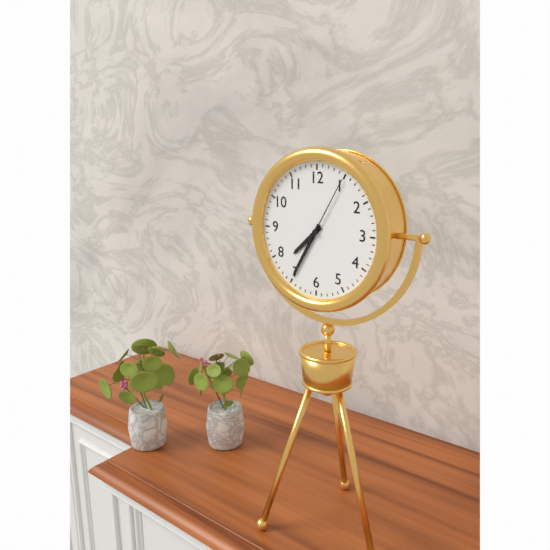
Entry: 7.35.05
